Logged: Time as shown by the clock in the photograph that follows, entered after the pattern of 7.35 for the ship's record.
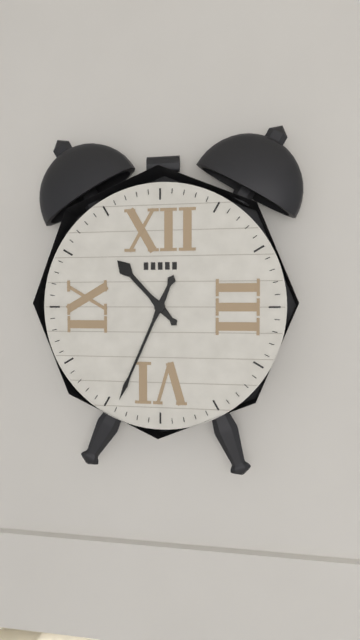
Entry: 10.34
